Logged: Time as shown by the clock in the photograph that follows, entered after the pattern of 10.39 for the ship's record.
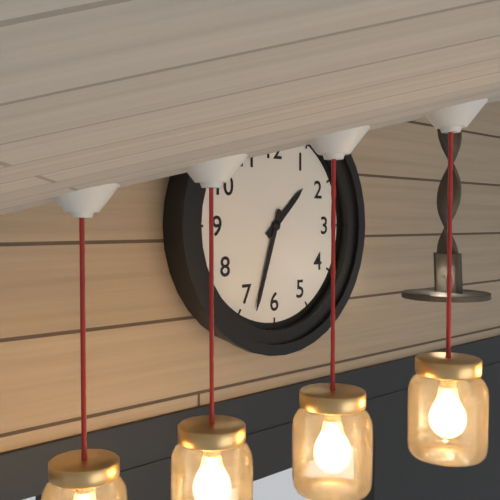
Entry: 1.33
